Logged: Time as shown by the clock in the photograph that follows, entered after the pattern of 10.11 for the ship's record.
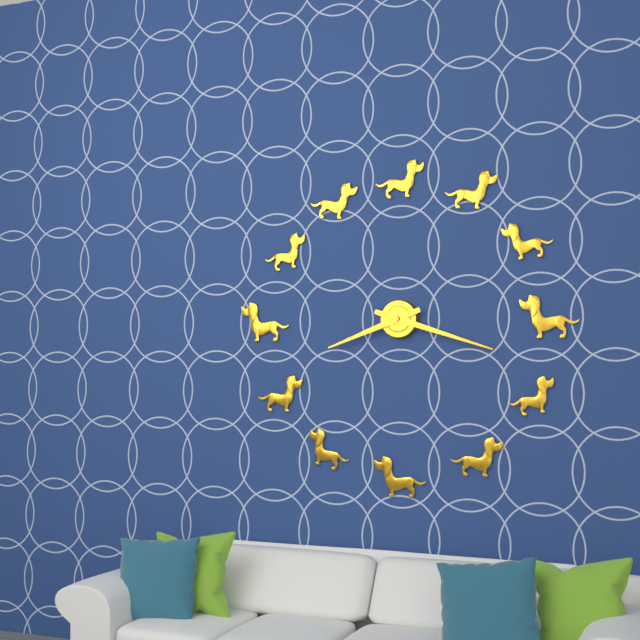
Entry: 8.18
